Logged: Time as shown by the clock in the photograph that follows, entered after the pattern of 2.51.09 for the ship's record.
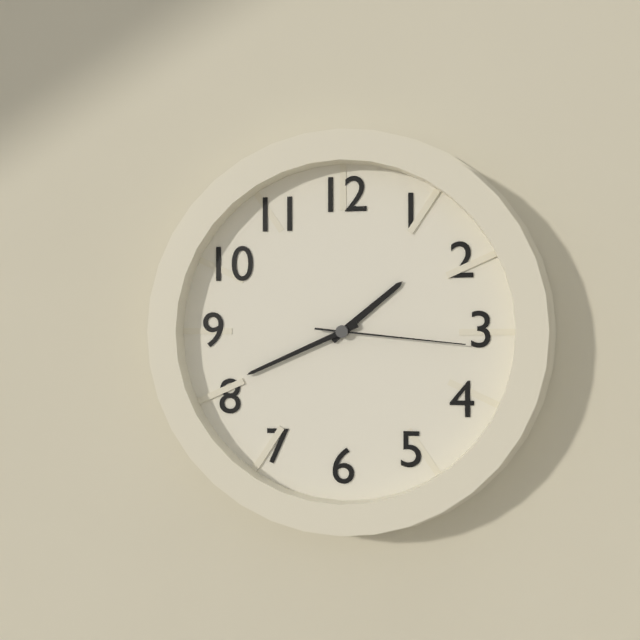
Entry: 1.41.16
